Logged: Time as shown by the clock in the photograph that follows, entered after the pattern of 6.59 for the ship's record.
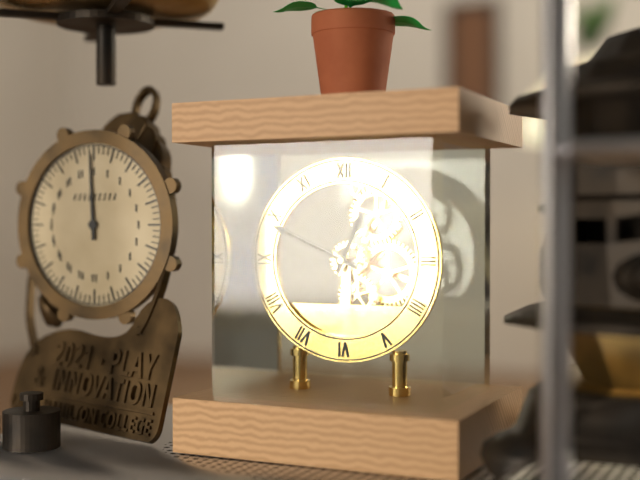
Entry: 12.49
